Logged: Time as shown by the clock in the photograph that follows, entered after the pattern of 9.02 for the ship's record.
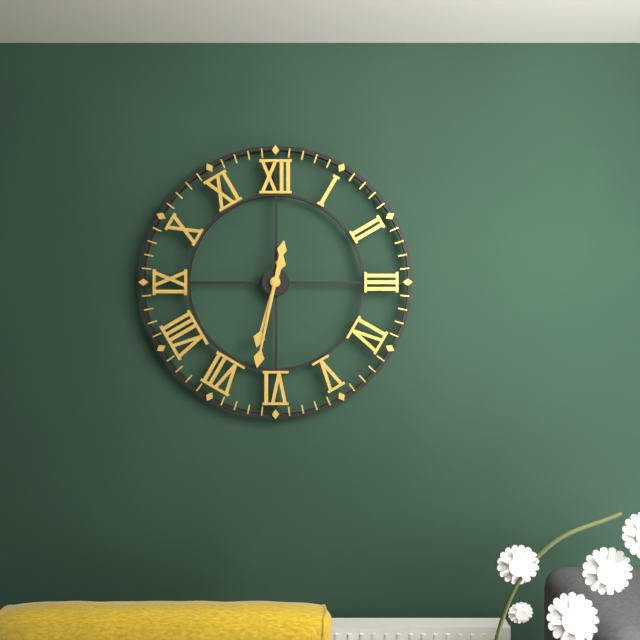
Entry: 6.32
